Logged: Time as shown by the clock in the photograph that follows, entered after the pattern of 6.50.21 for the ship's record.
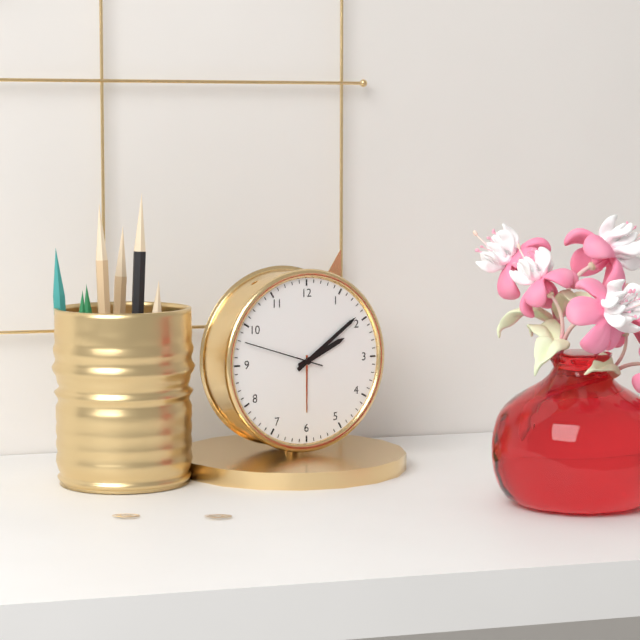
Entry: 2.09.48
